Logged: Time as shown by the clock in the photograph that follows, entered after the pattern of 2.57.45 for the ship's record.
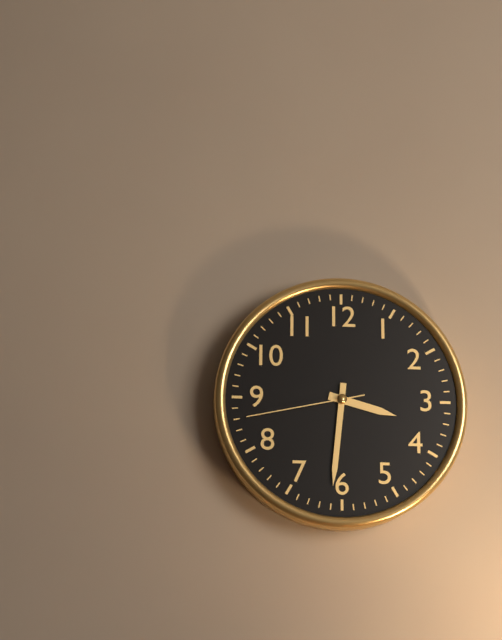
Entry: 3.31.43
